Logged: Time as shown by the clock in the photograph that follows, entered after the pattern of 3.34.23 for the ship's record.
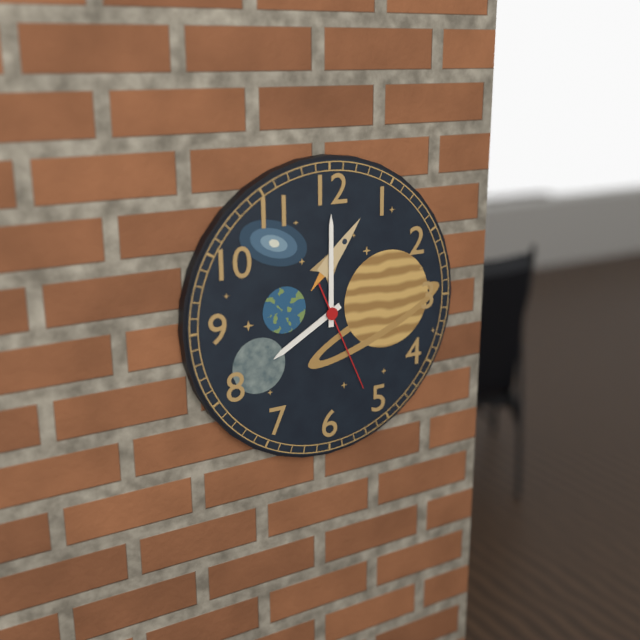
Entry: 8.00.26
